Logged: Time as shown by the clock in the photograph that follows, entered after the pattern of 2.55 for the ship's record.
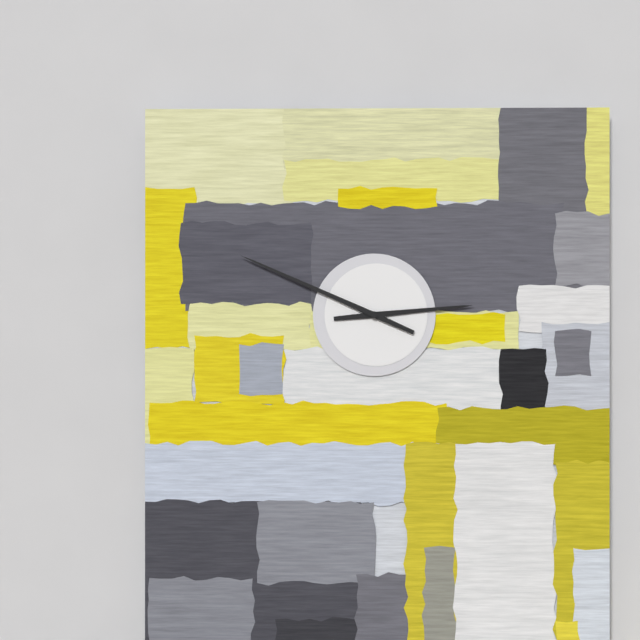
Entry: 2.49
